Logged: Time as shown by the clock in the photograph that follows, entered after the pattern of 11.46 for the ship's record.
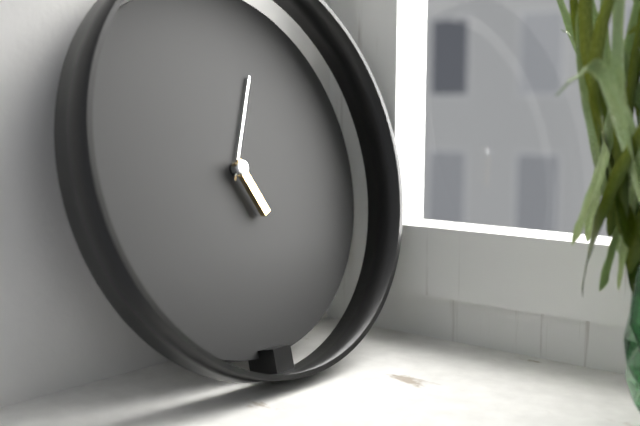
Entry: 5.04
